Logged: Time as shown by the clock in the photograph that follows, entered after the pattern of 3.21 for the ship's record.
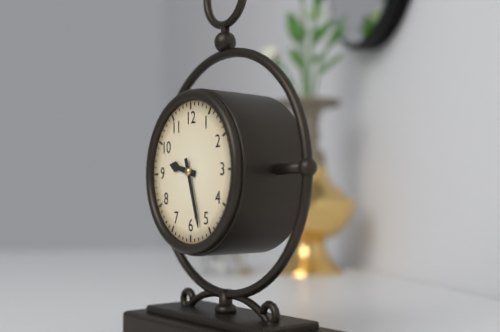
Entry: 9.27
